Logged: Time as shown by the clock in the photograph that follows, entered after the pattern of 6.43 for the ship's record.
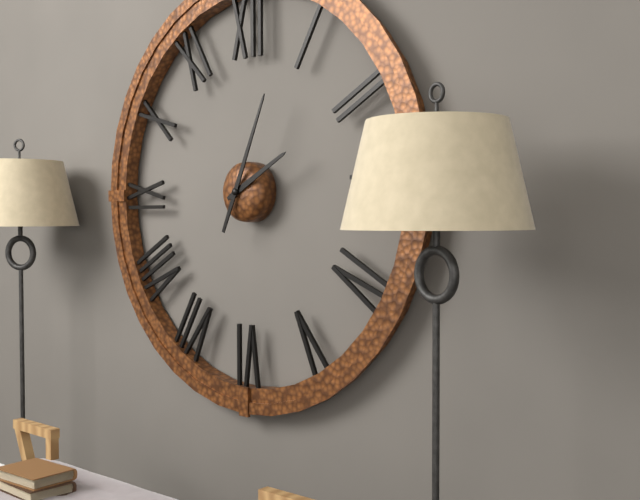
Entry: 2.04
